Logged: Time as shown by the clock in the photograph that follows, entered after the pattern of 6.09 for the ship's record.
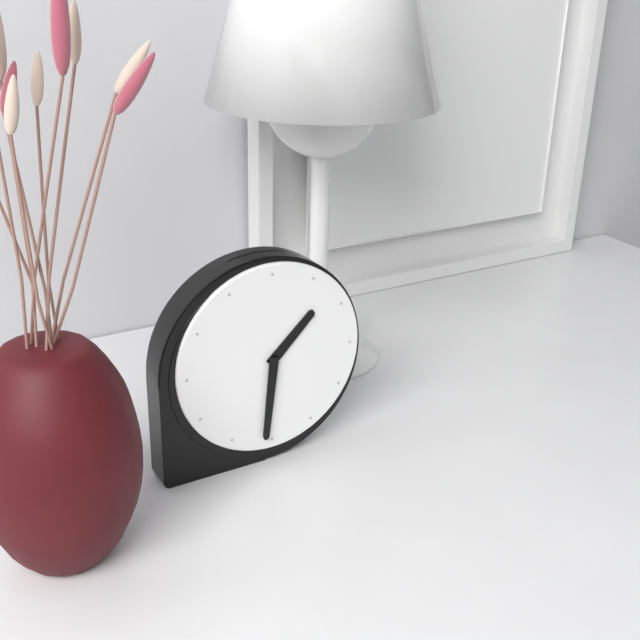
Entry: 1.31
